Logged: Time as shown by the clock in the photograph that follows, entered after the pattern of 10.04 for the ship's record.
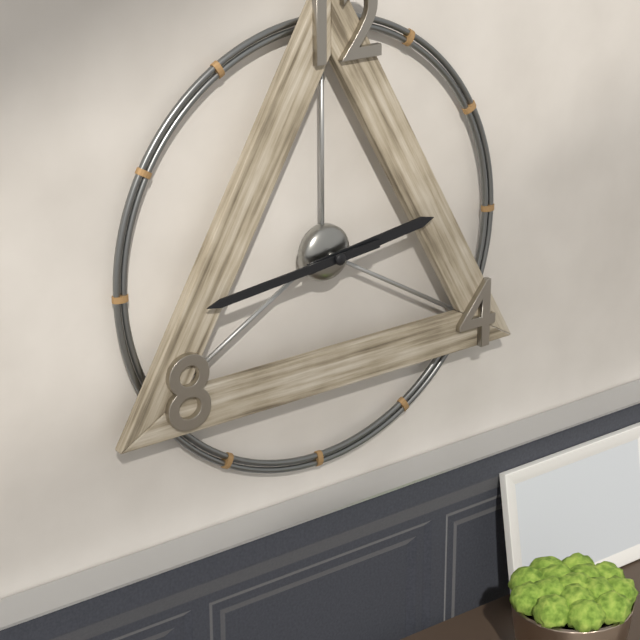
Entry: 2.44
